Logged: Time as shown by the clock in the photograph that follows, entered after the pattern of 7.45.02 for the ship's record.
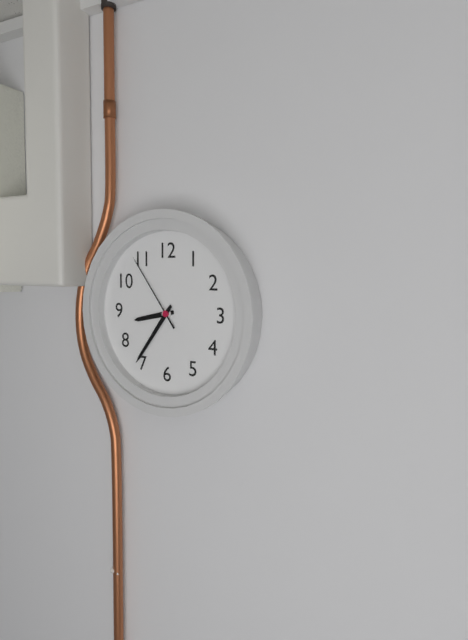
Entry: 8.36.54
